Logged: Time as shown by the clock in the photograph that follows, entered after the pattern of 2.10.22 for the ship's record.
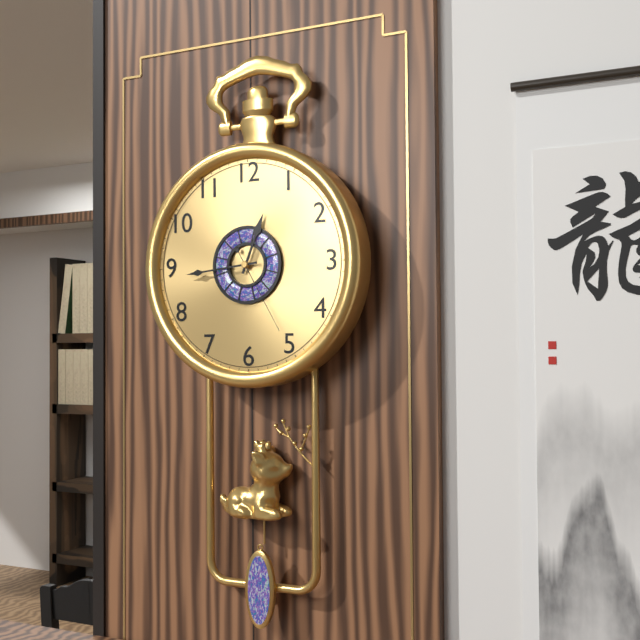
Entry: 12.44.25
